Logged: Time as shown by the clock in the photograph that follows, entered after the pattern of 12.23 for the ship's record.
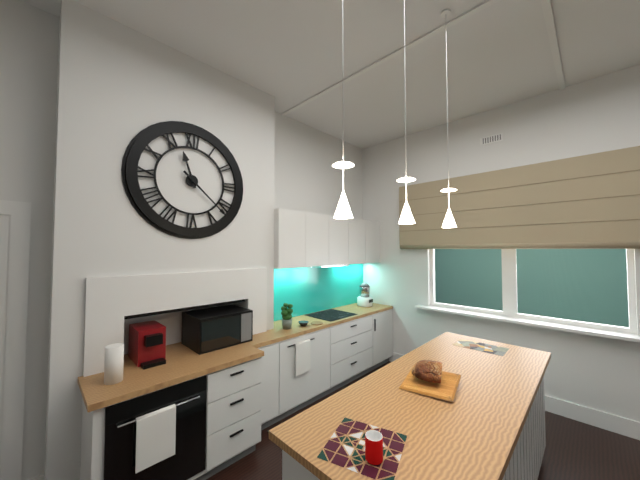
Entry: 11.22
